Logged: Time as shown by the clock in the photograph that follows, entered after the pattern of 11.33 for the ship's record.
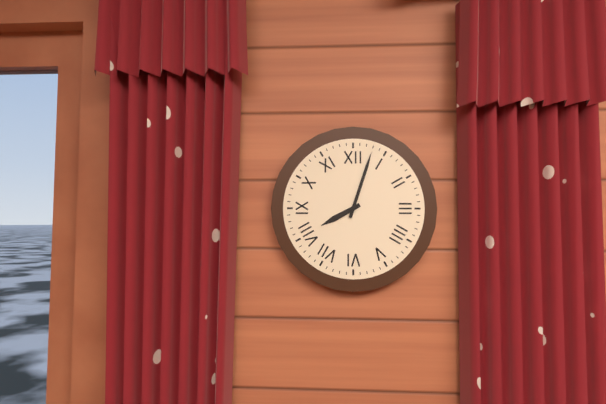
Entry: 8.03
